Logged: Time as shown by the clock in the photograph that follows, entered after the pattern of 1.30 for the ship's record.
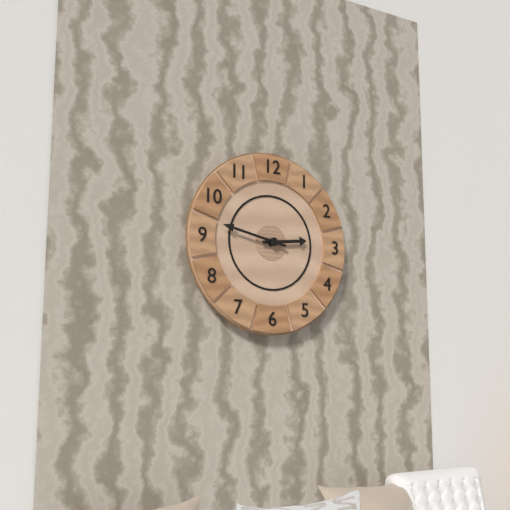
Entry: 2.47
